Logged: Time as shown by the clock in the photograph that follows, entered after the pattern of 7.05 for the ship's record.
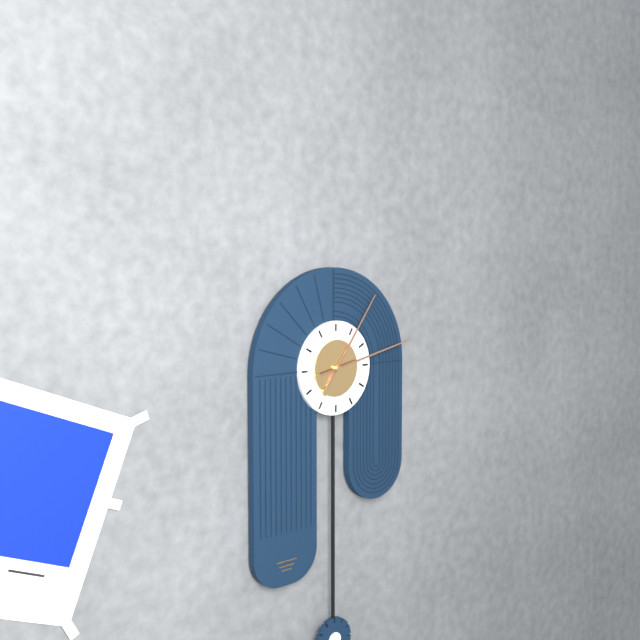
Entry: 1.13
